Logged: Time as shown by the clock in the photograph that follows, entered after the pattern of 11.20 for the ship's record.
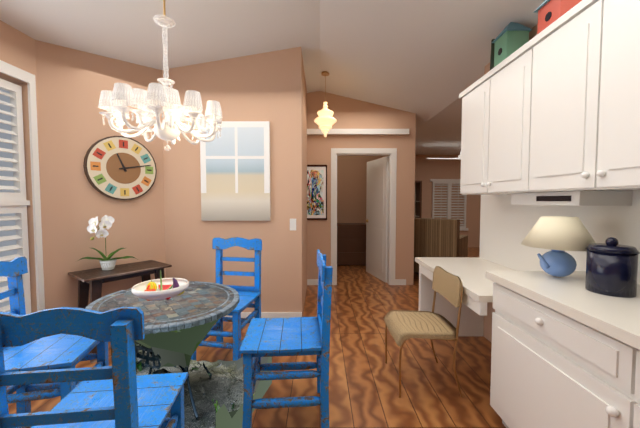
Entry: 11.13
